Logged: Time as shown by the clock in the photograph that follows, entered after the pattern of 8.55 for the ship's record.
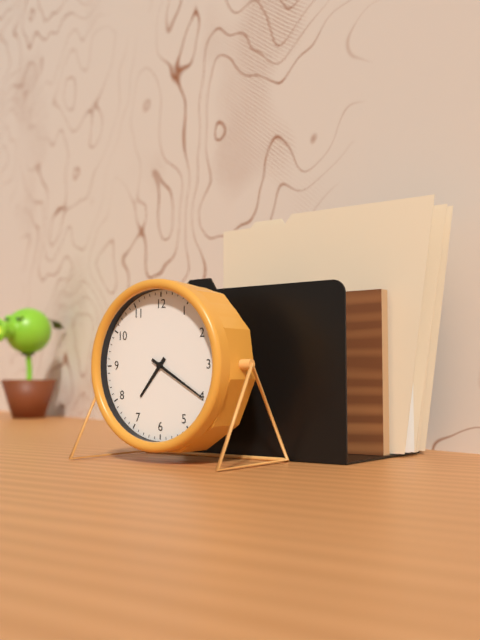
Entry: 7.20
